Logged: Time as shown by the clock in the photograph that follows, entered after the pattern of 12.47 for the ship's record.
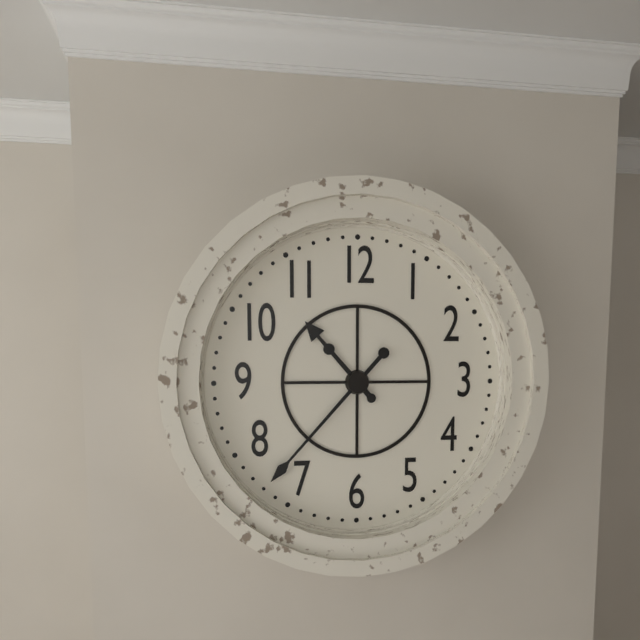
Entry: 10.37
